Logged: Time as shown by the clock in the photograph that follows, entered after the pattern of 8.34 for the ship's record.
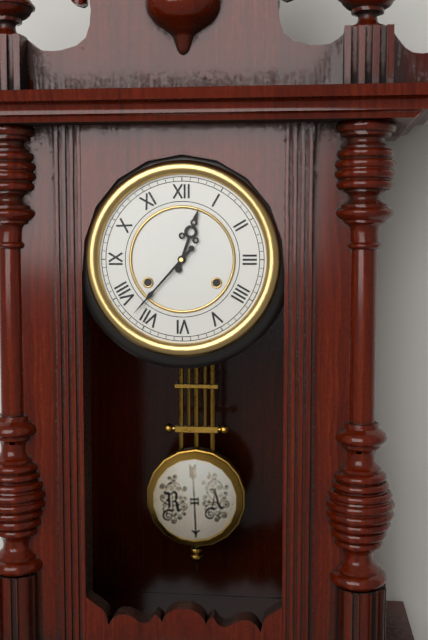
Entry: 12.37
